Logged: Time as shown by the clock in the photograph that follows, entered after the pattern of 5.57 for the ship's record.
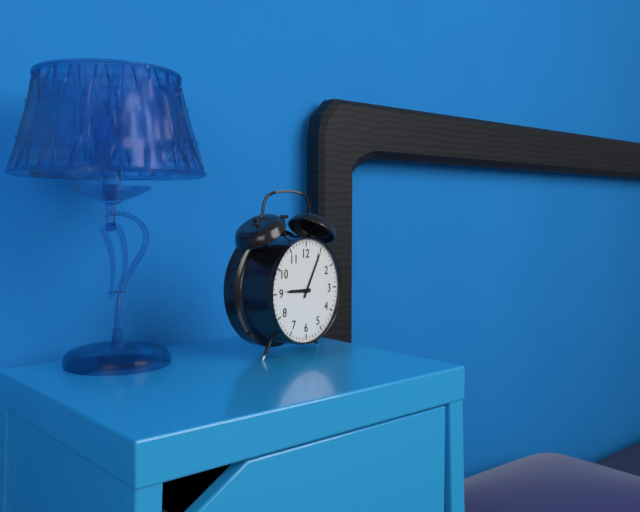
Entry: 9.05
